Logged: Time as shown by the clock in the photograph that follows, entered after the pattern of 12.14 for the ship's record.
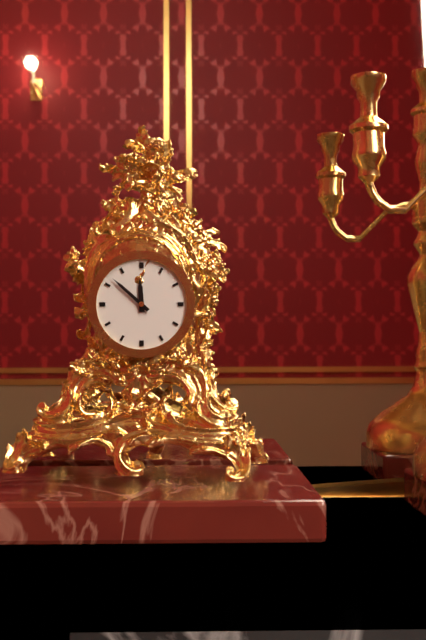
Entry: 11.52
